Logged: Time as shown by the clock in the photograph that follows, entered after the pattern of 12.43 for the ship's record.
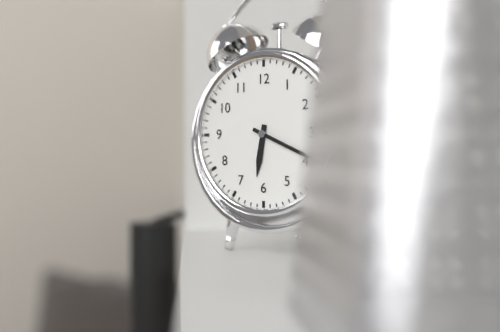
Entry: 6.19
